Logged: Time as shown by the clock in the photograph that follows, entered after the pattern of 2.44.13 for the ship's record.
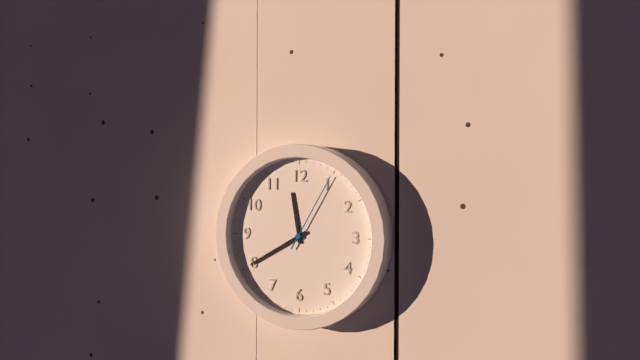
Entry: 11.40.05
